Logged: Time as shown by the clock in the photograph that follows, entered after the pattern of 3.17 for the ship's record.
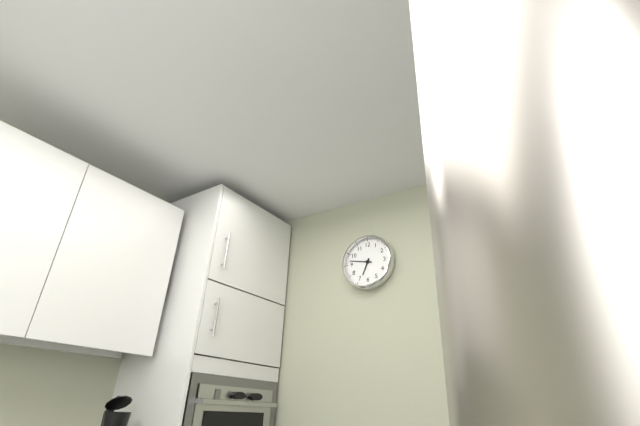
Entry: 6.47
